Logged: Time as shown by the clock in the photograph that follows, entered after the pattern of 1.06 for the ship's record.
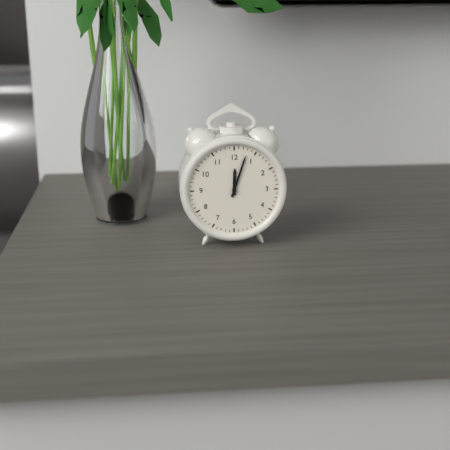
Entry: 12.03
